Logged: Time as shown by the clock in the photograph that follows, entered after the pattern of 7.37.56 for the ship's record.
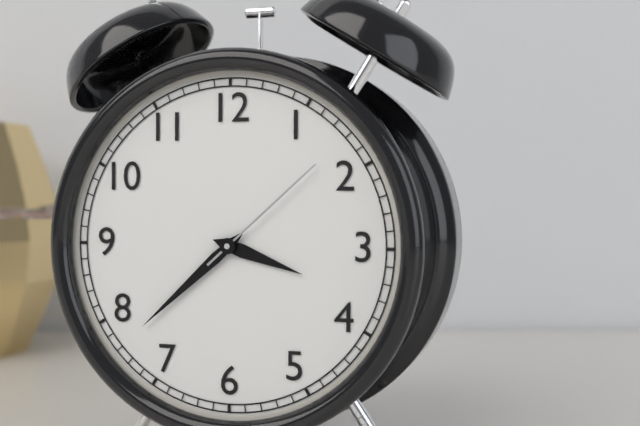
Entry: 3.38.08
